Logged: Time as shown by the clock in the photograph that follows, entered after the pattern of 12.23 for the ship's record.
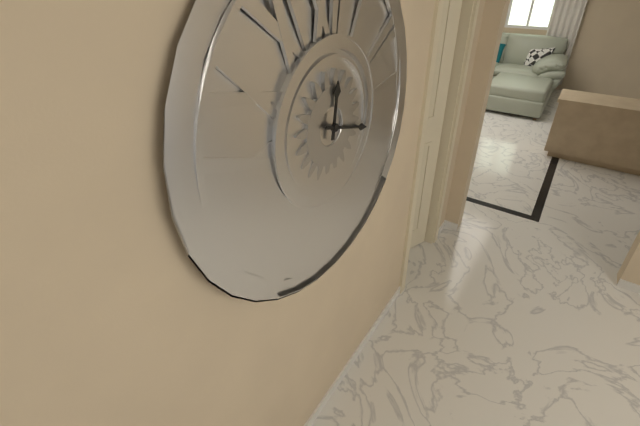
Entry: 12.18
